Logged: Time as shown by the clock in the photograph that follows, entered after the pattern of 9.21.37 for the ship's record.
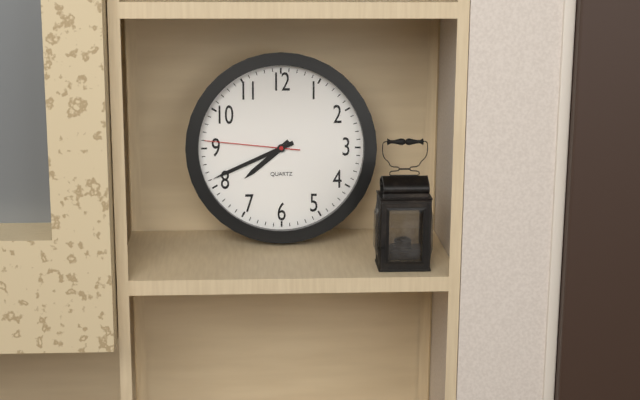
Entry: 7.41.46
